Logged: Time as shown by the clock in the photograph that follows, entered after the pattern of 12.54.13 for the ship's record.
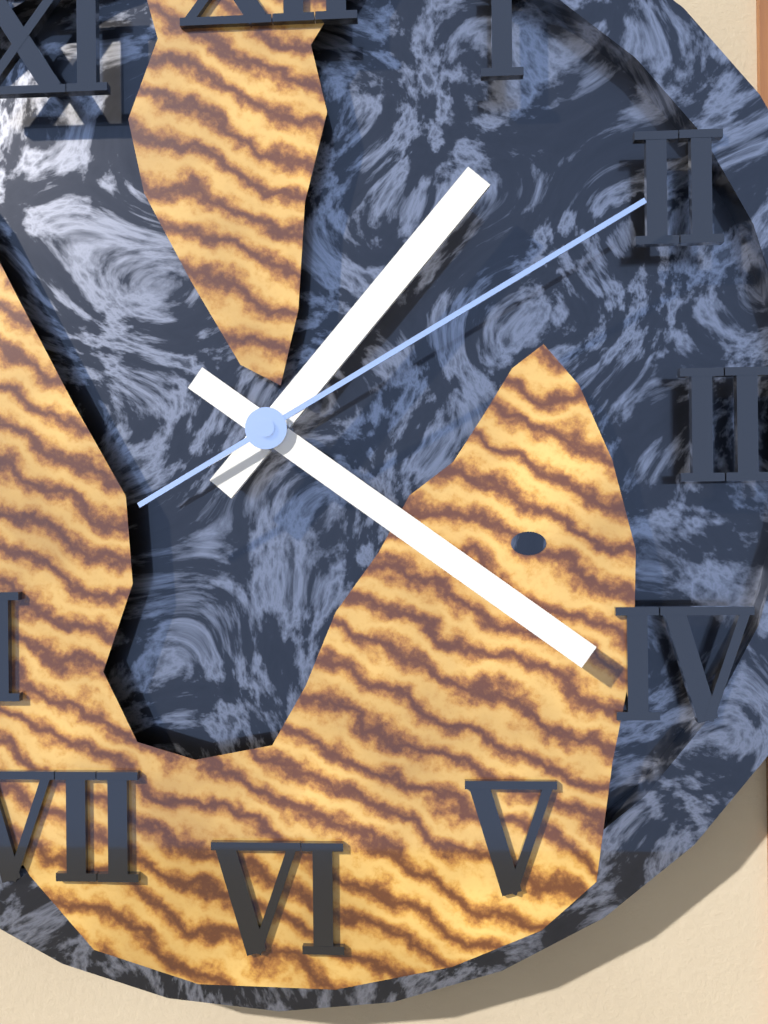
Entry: 1.21.10
